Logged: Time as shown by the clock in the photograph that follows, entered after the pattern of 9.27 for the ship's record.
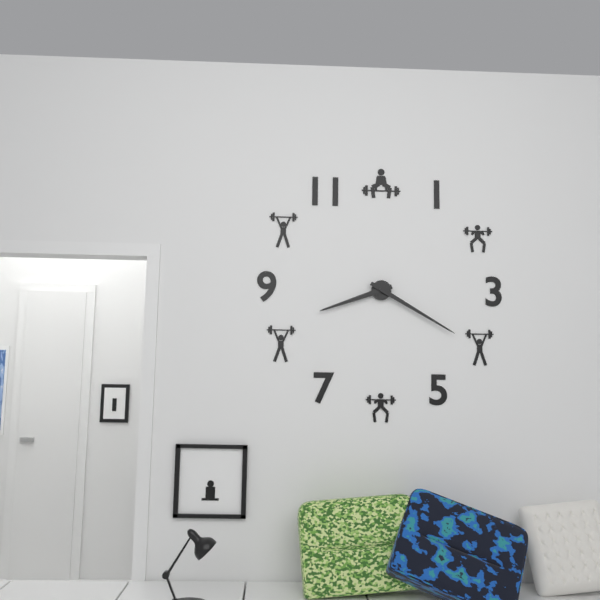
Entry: 8.20
